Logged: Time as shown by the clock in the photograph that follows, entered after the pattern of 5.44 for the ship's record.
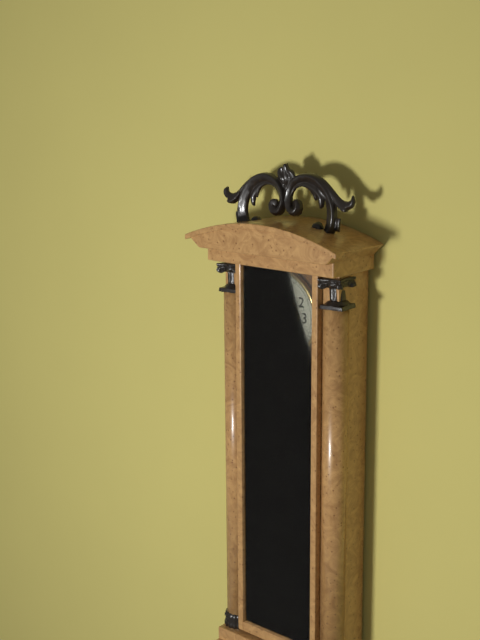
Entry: 3.25
